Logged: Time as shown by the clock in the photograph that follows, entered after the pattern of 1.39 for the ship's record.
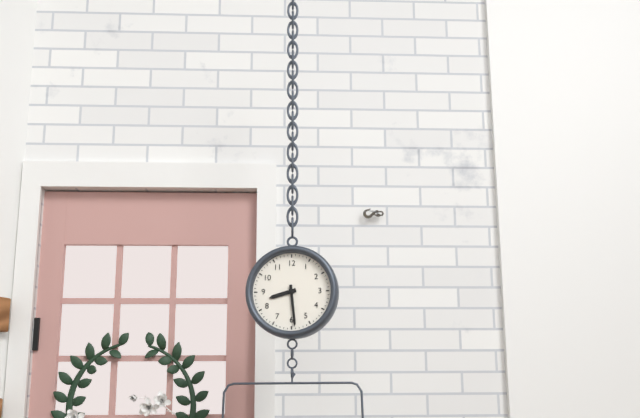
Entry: 8.29
